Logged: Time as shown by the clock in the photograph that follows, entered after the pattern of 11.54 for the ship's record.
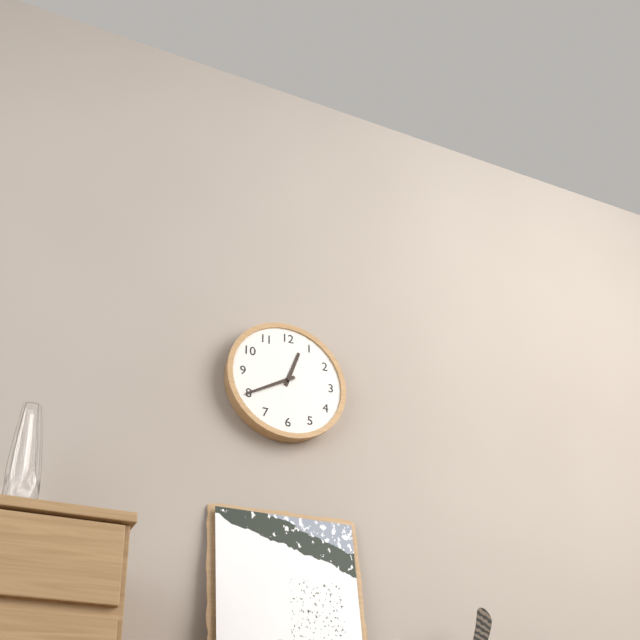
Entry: 12.40
